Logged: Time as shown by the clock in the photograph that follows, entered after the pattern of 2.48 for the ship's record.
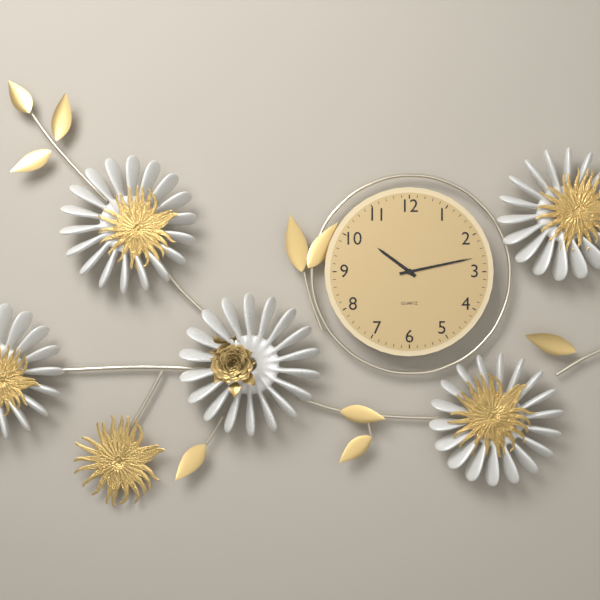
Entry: 10.13
